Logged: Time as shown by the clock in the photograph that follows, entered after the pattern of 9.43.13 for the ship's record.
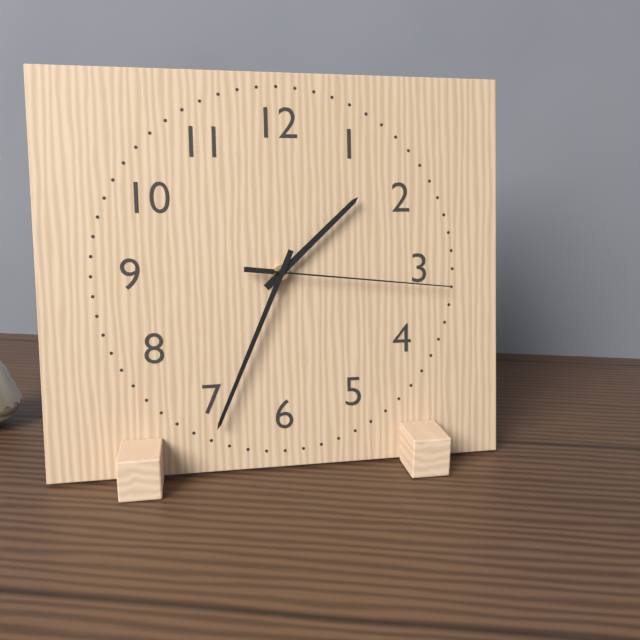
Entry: 1.34.16
